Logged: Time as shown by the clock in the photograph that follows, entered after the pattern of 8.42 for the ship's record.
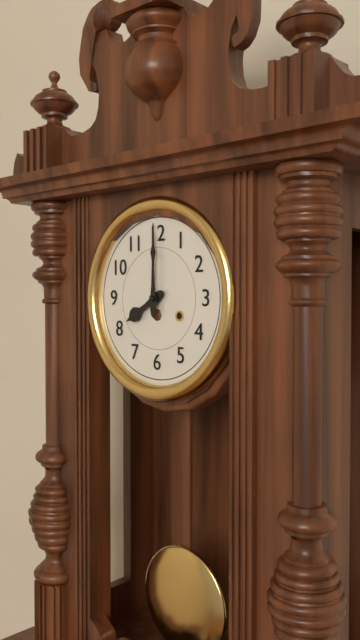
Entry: 8.00
